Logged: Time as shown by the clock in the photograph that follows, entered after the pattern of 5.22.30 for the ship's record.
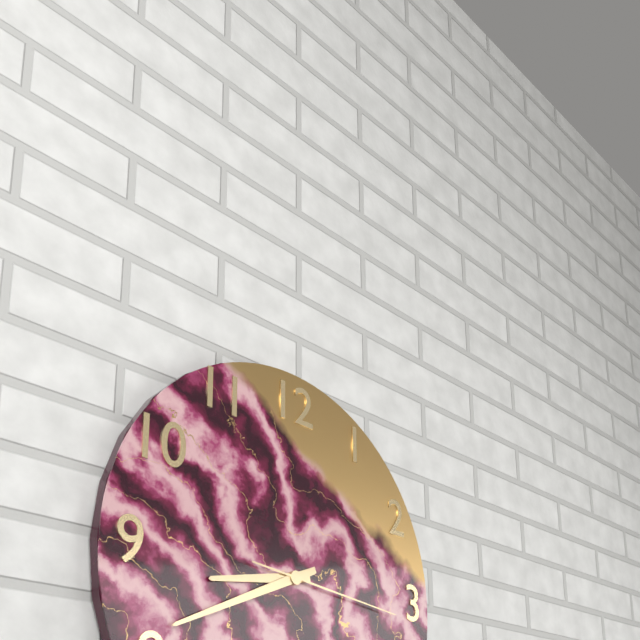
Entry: 8.41.16
